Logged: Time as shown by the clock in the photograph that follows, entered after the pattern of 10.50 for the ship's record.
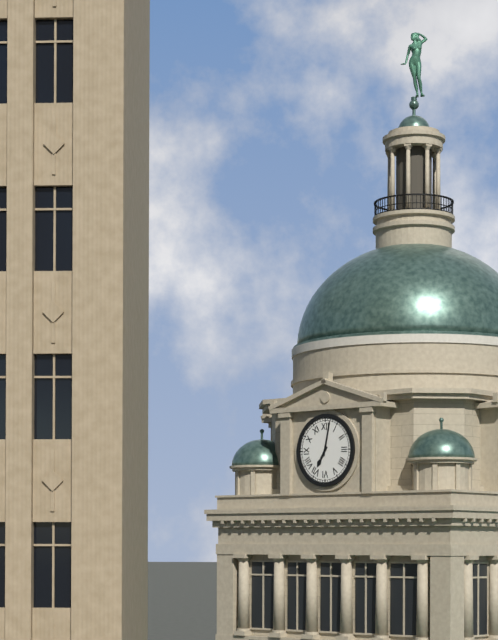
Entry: 7.02
